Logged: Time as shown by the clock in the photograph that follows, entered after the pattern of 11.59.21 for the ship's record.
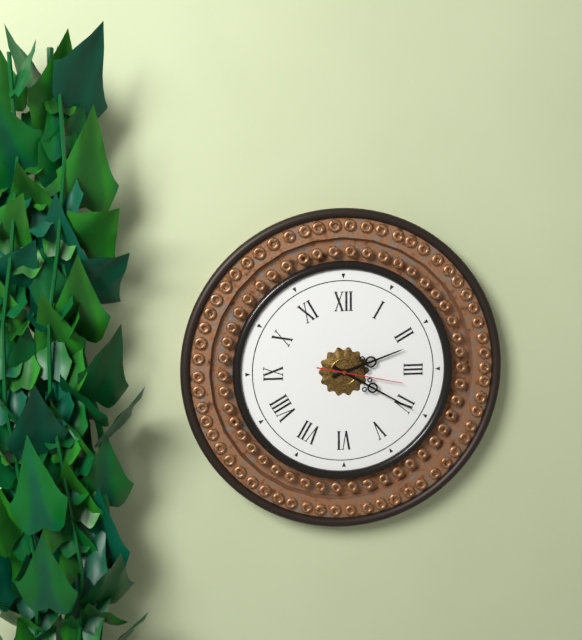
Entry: 2.20.17
